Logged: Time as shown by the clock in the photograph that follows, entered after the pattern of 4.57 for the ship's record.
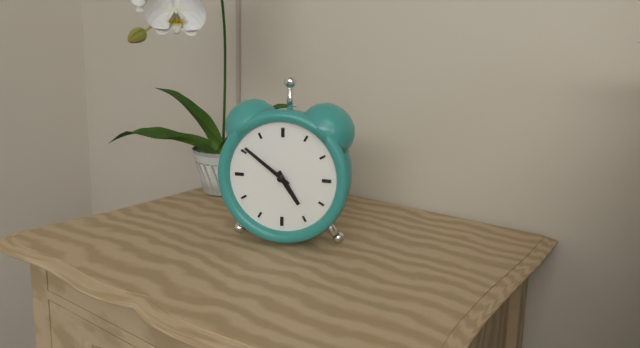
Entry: 4.51
